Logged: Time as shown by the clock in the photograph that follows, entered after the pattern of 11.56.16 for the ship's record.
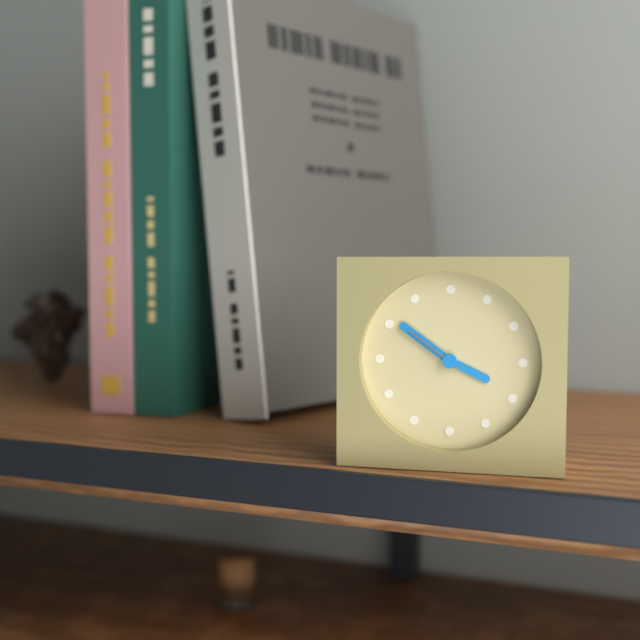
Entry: 3.51.51
